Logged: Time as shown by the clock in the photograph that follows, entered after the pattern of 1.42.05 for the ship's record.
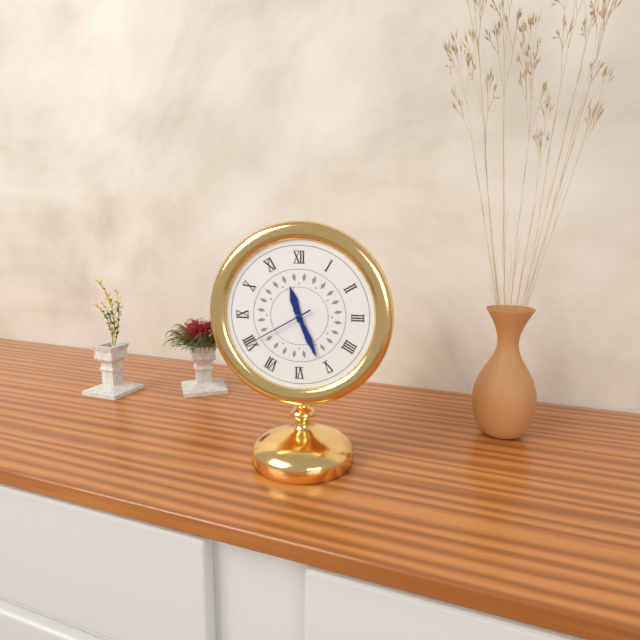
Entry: 11.26.40
